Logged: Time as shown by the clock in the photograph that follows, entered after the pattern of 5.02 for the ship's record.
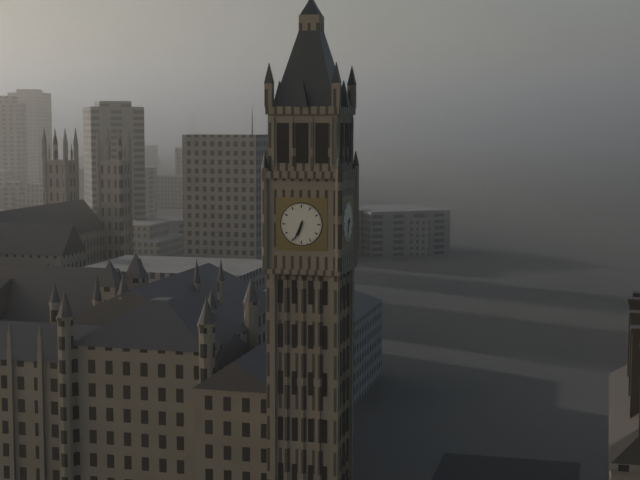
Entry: 6.34
